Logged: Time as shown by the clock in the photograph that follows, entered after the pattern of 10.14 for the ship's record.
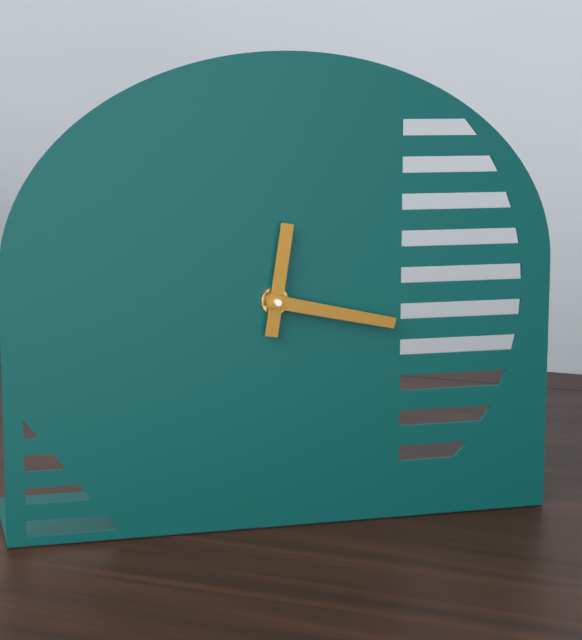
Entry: 12.17
